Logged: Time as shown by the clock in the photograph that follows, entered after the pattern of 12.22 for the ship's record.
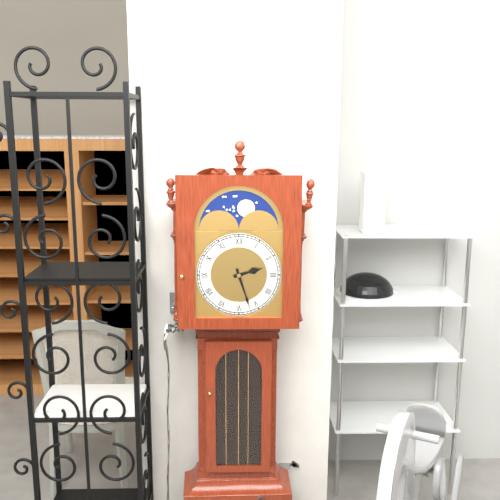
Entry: 2.27
